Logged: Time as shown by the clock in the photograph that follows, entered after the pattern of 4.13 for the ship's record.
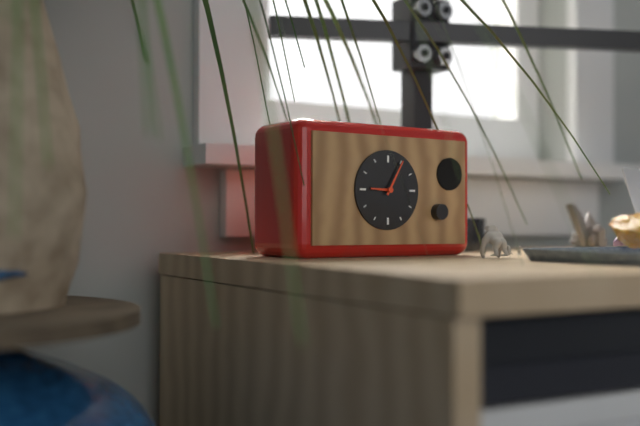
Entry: 9.05
